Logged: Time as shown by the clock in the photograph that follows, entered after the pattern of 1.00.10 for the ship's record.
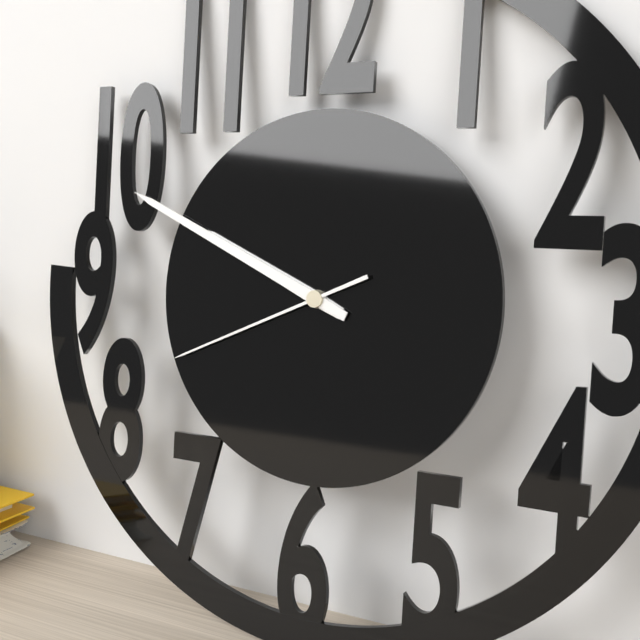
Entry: 9.49.41
